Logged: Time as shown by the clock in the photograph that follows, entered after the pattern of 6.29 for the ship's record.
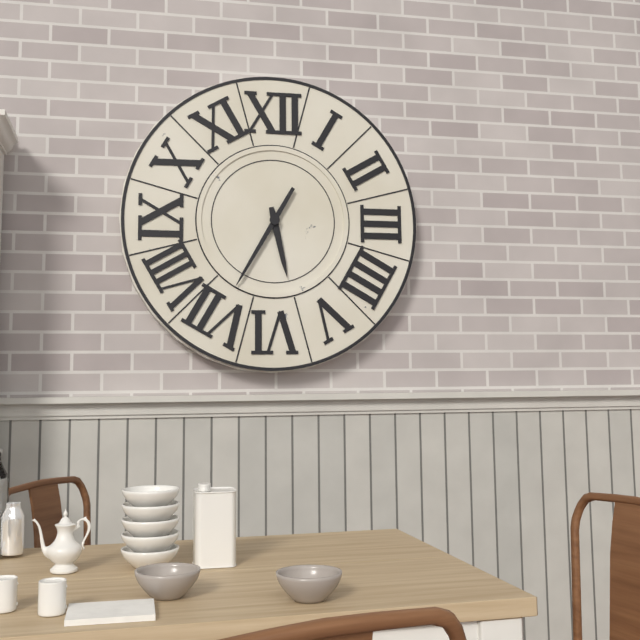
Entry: 5.35
